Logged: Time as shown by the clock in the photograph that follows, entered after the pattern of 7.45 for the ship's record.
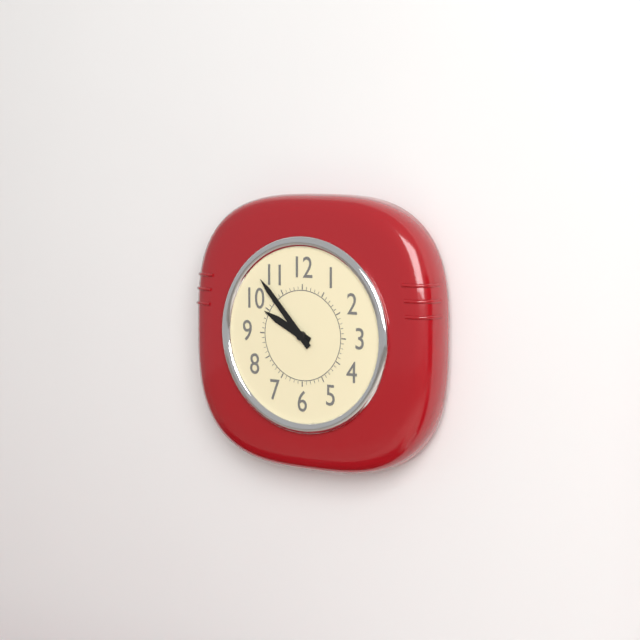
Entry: 9.53
